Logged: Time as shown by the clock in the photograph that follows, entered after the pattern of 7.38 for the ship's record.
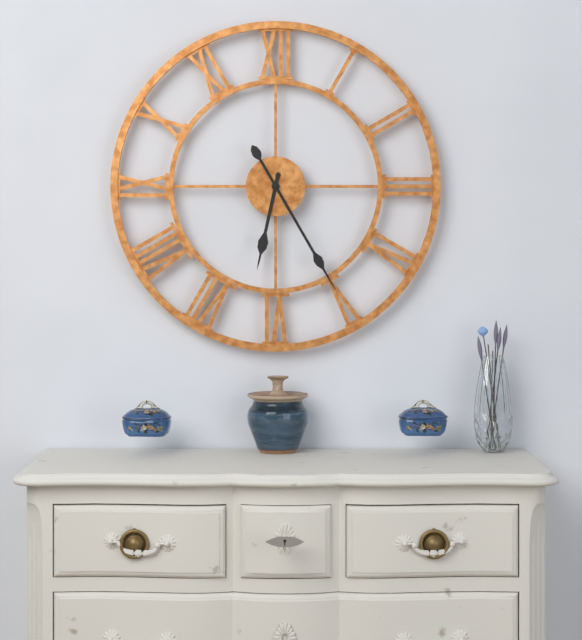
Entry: 6.25
